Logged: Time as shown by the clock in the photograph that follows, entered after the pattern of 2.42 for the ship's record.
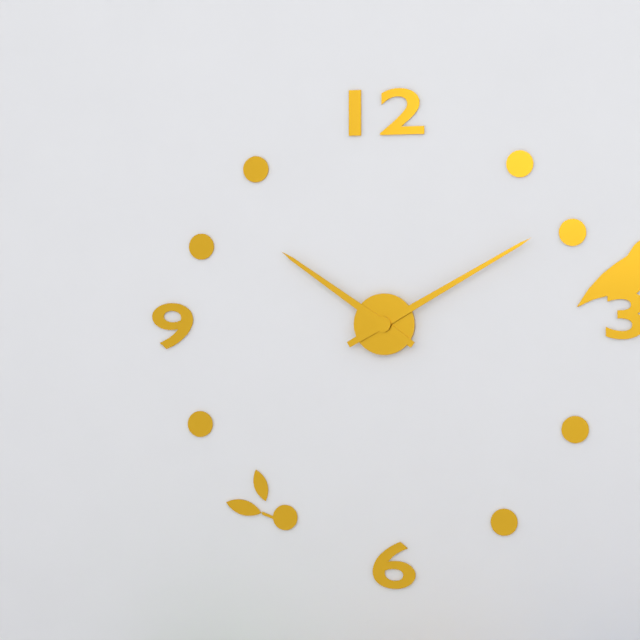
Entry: 10.10
